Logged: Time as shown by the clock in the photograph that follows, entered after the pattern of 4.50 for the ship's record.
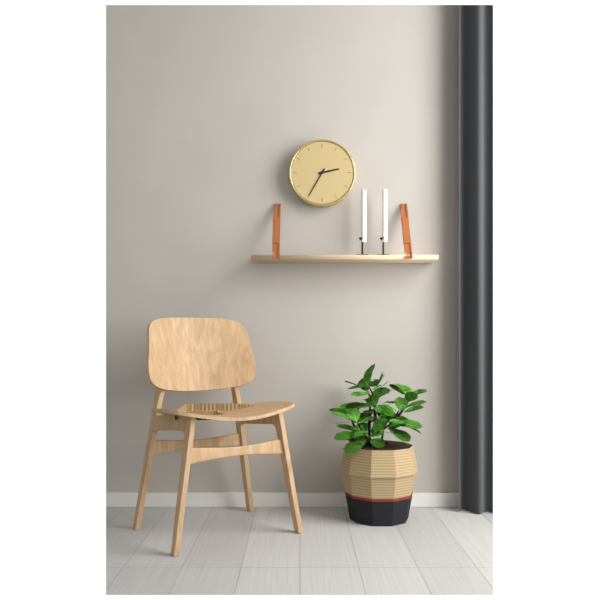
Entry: 2.35
